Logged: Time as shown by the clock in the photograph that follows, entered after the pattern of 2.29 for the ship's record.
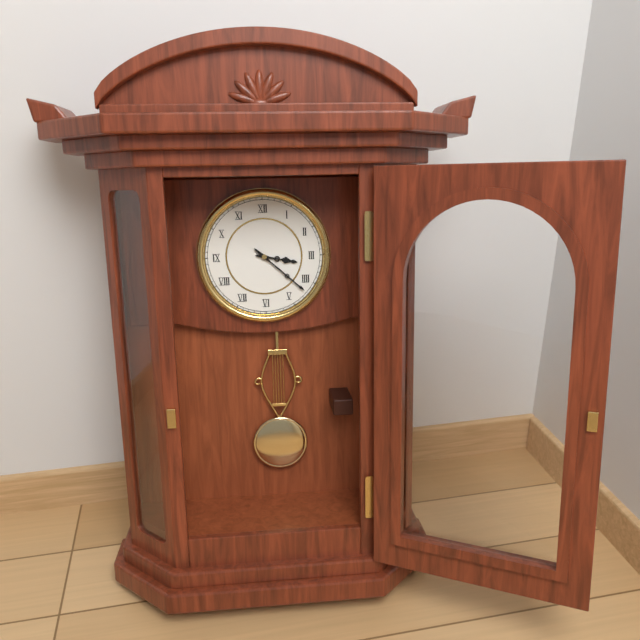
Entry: 3.22
